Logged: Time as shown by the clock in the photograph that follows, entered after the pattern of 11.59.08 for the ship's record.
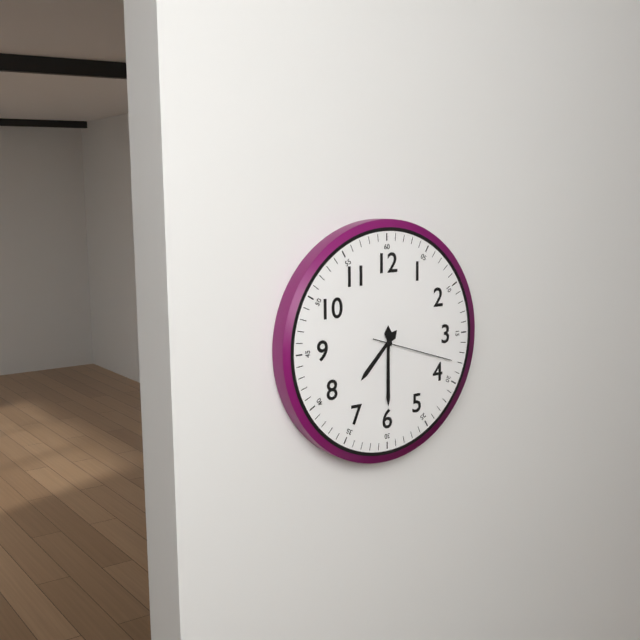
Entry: 7.30.18
